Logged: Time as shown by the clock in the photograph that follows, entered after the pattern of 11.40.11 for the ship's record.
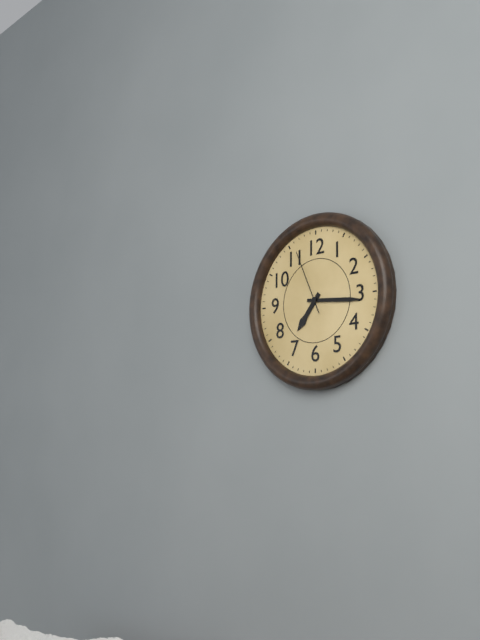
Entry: 7.16.56
